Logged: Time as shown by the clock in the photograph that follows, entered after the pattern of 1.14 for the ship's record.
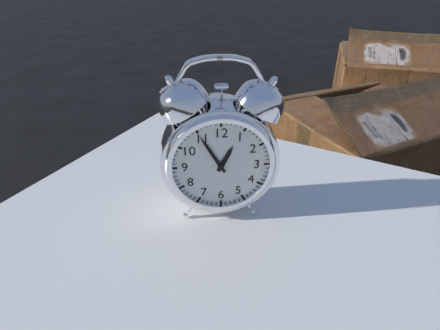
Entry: 12.55
